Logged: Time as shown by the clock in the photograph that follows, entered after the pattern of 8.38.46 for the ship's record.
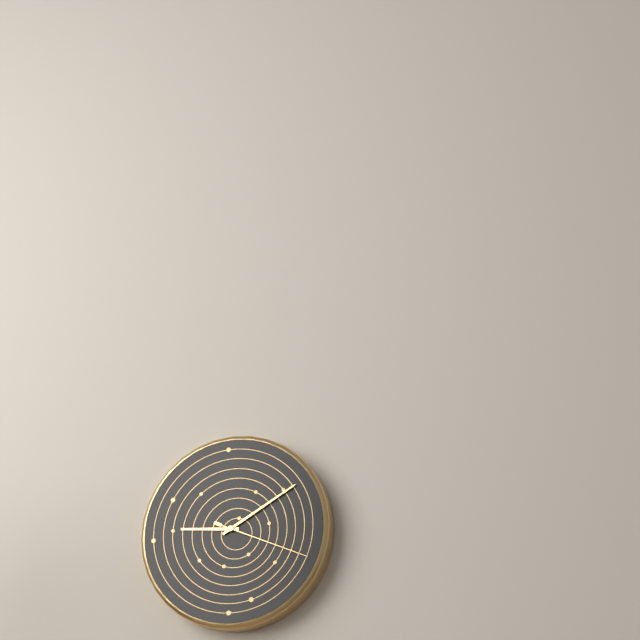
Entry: 9.10.19
